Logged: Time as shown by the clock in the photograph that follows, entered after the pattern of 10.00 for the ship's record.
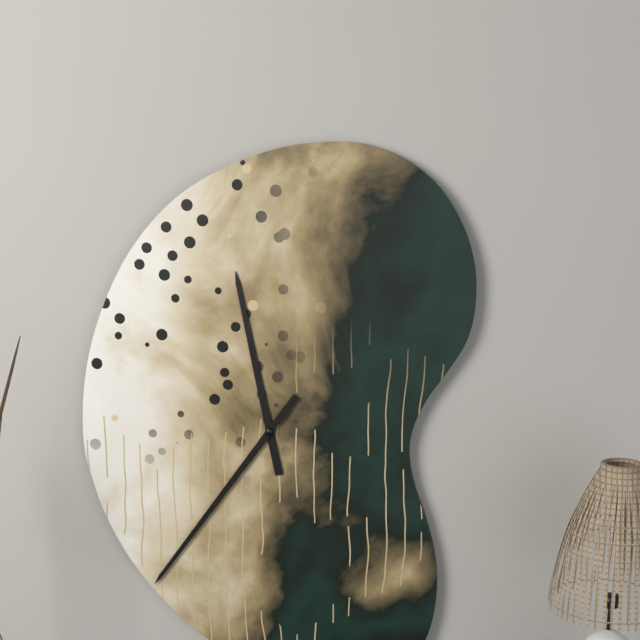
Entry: 11.36
